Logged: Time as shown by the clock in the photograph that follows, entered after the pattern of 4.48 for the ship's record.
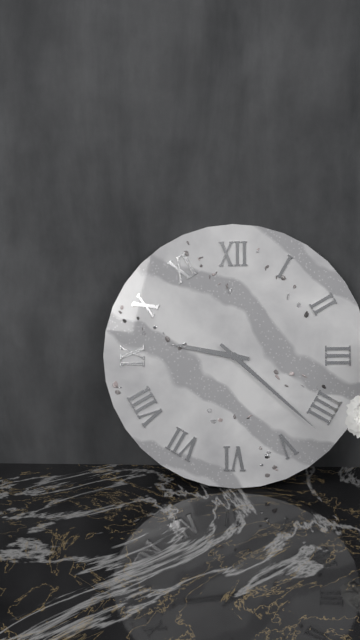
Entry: 9.22
